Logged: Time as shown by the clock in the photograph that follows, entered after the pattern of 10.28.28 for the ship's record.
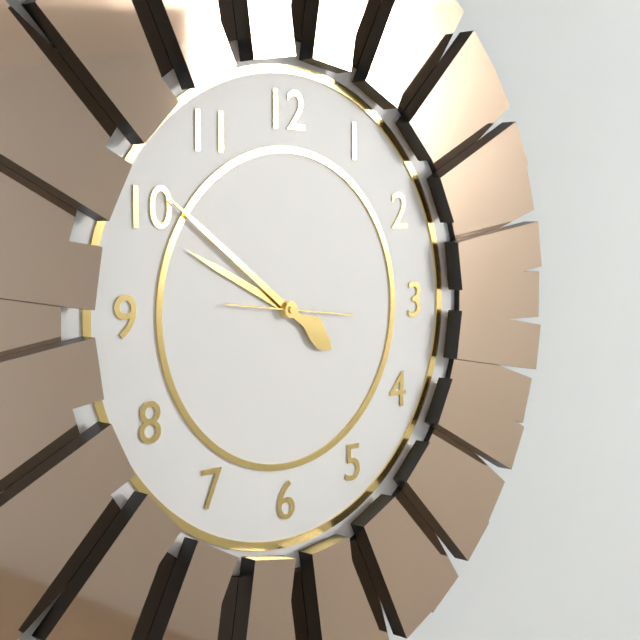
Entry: 9.51.16
